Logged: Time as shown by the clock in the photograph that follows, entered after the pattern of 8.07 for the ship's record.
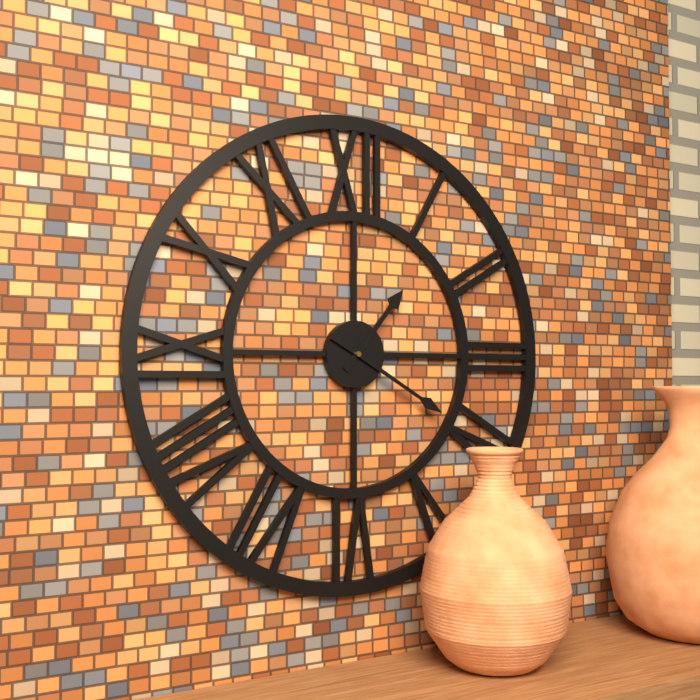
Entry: 1.20
